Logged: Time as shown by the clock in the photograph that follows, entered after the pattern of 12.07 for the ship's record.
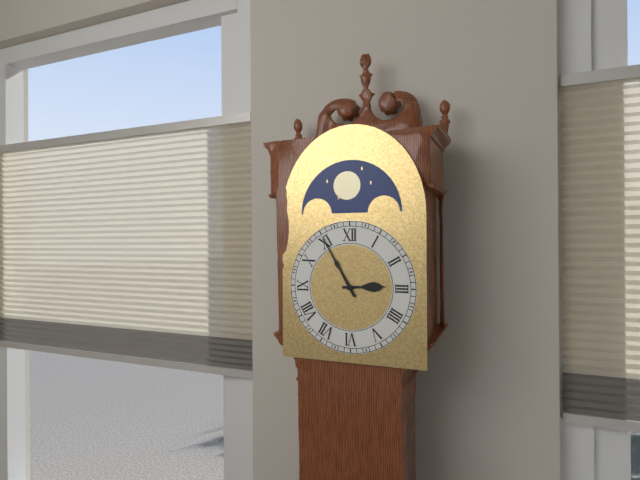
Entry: 2.55
